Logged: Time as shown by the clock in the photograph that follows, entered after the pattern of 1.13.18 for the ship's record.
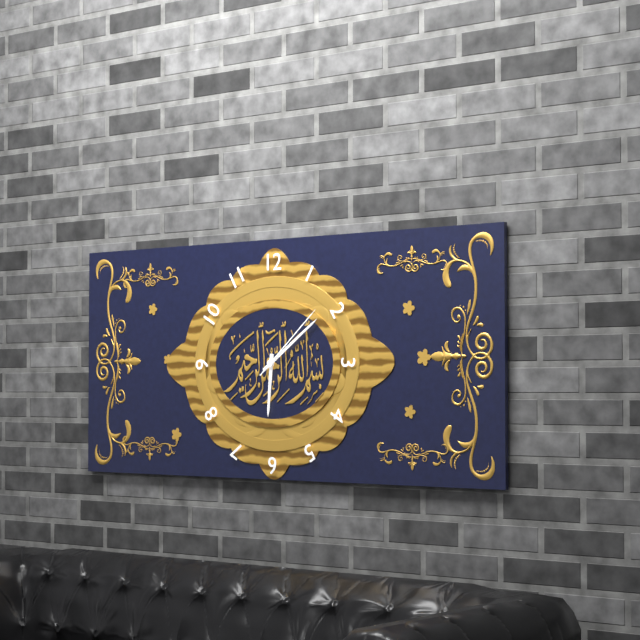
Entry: 6.09.08
